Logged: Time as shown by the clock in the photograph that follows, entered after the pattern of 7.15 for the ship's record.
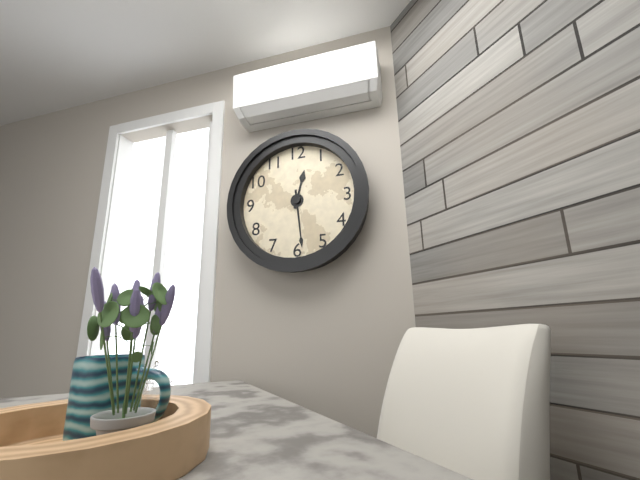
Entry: 12.29
